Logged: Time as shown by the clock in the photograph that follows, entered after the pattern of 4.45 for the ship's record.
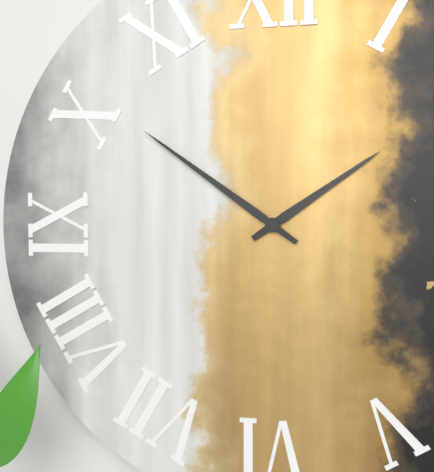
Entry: 1.51
